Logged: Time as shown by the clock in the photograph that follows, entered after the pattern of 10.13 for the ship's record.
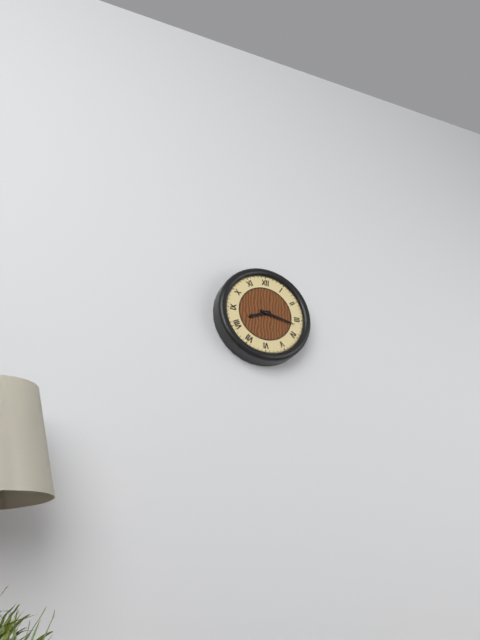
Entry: 8.17
